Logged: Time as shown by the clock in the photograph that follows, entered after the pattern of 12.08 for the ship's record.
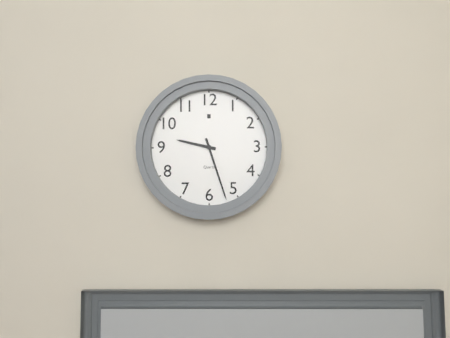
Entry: 9.27
